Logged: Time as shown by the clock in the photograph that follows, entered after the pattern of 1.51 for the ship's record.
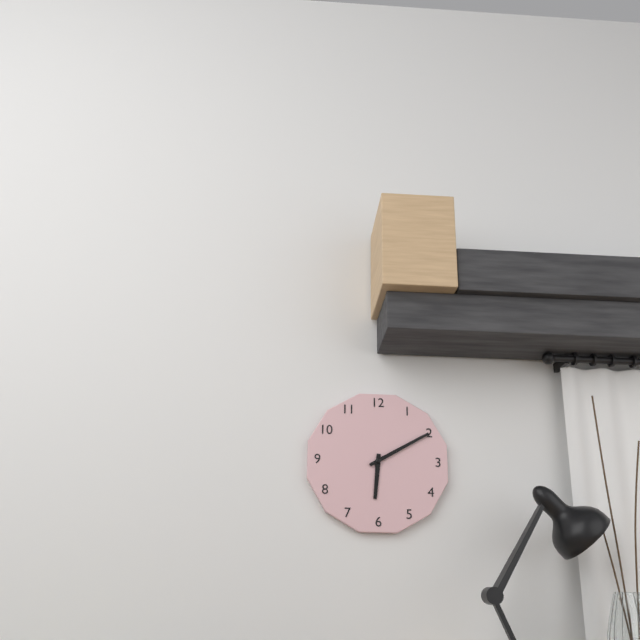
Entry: 6.10
